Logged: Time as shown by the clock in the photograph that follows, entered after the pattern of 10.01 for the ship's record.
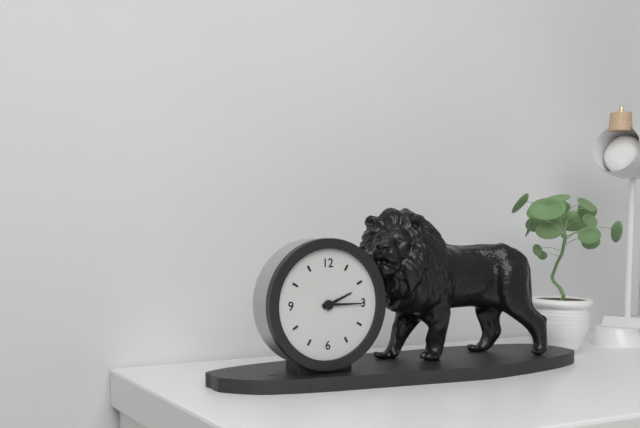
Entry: 2.15
